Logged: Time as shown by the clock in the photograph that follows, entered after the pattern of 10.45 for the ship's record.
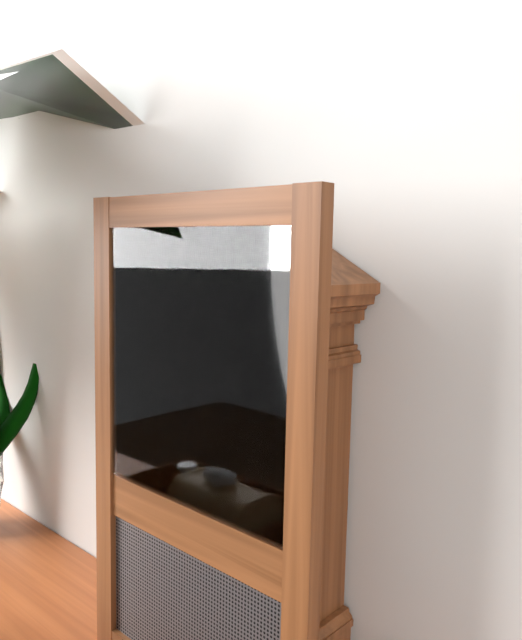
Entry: 8.02
